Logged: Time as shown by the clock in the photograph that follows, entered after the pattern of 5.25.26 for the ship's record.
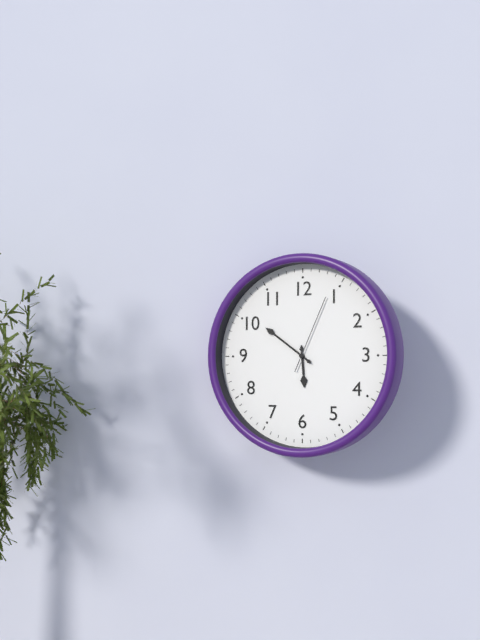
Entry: 5.51.04
